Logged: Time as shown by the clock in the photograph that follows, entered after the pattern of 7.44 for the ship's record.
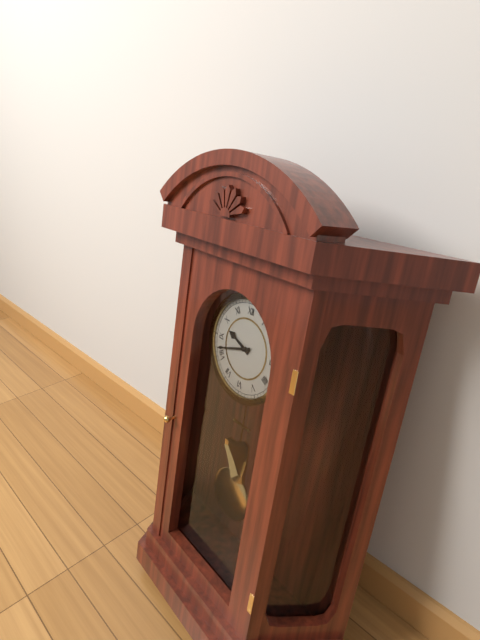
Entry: 9.42
